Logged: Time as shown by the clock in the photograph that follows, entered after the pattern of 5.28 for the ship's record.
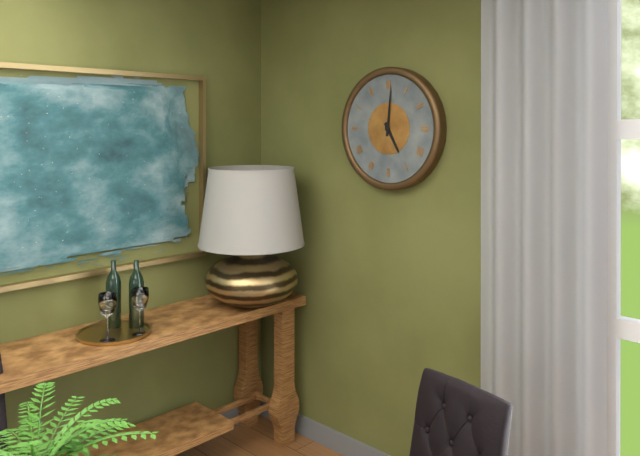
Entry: 5.01
